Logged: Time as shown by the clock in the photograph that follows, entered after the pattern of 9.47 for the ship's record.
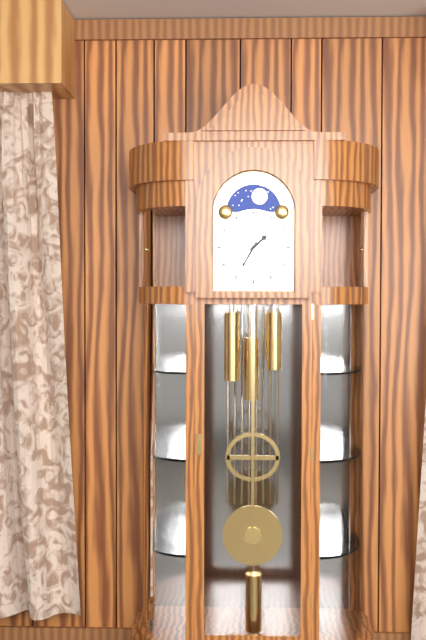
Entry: 1.35
